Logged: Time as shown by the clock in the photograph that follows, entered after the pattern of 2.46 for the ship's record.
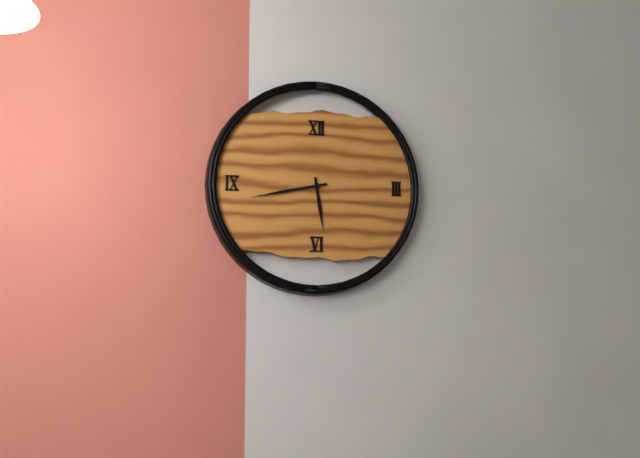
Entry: 5.43
